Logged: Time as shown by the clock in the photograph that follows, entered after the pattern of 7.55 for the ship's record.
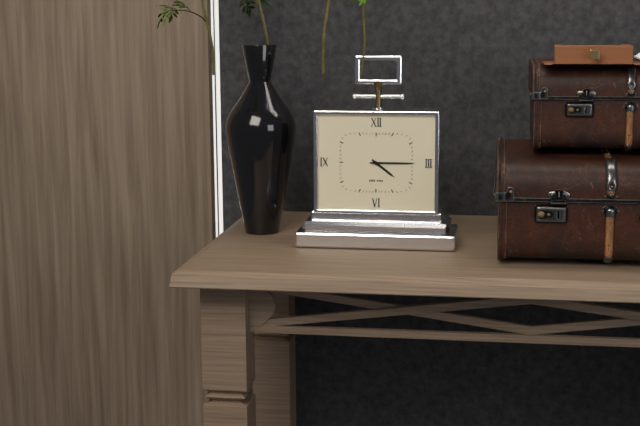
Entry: 4.15
